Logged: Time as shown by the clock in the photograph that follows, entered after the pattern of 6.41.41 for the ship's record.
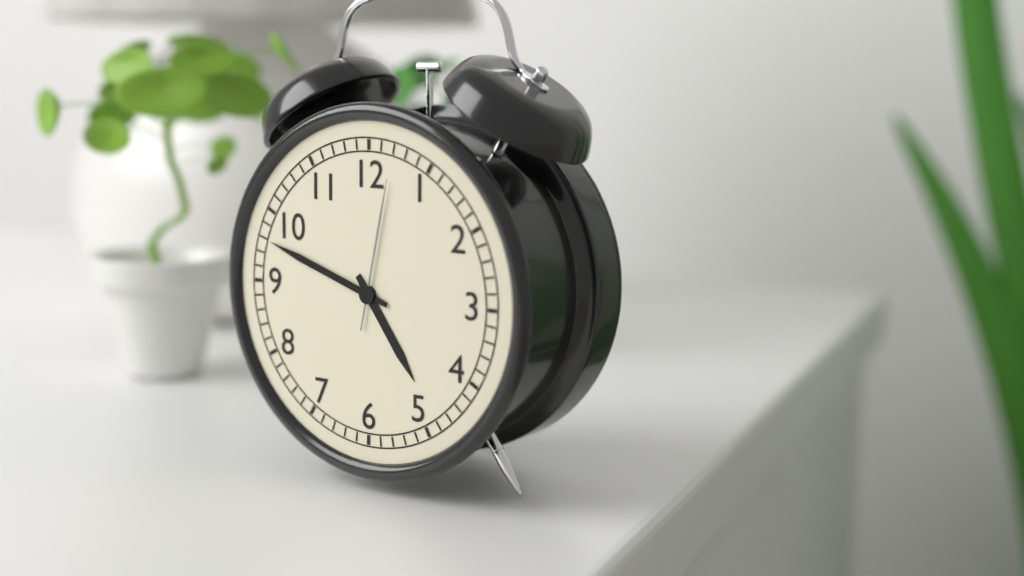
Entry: 4.48.02
